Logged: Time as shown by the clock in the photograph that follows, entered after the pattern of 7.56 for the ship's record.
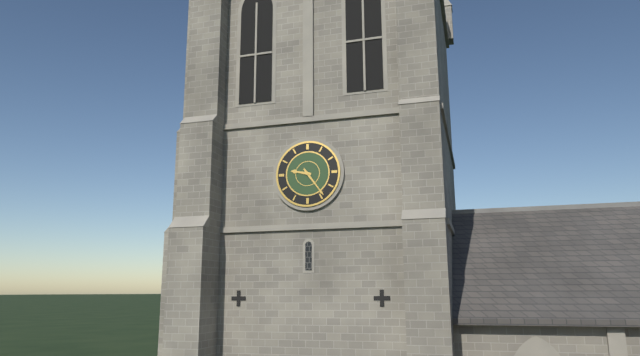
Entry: 9.24
